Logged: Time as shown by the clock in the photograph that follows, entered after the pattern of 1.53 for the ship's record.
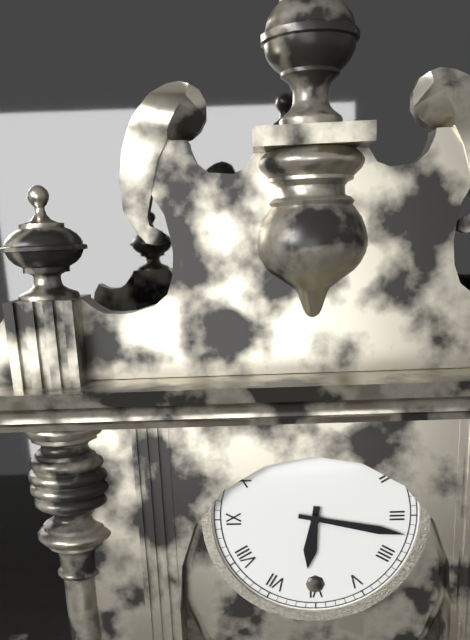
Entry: 6.17
